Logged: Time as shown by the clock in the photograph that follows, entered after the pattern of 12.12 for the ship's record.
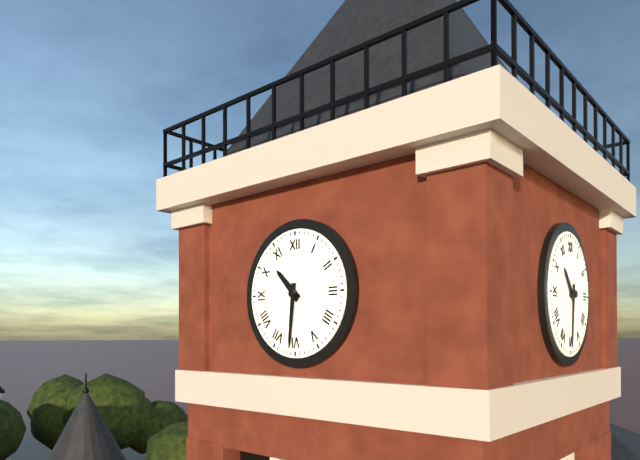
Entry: 10.31
